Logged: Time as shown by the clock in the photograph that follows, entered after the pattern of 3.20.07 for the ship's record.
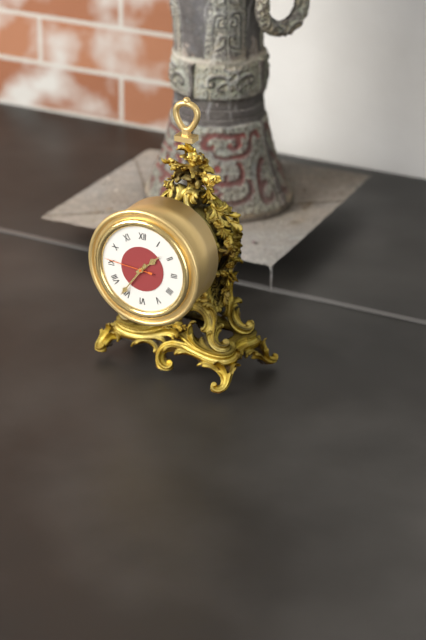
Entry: 1.36.46
